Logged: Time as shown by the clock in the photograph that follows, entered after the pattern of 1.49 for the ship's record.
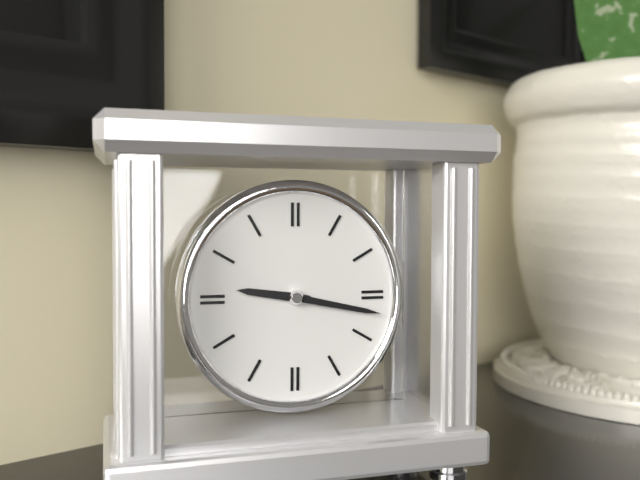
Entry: 9.17
